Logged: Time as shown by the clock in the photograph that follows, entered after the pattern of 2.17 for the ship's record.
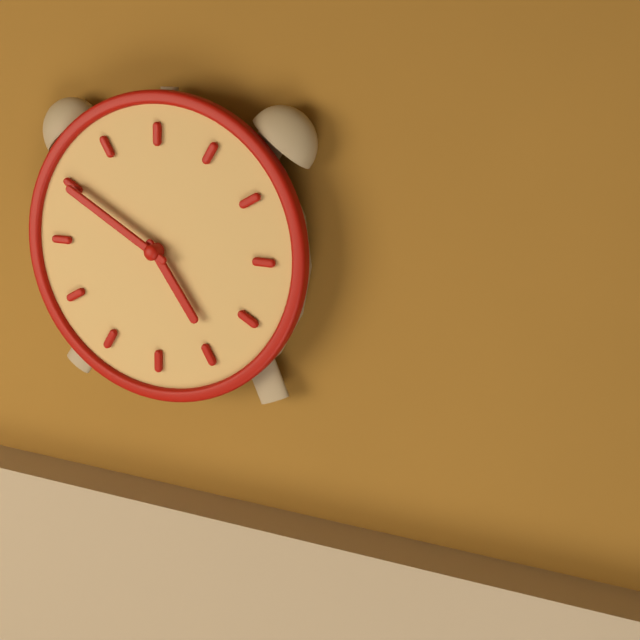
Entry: 4.50
